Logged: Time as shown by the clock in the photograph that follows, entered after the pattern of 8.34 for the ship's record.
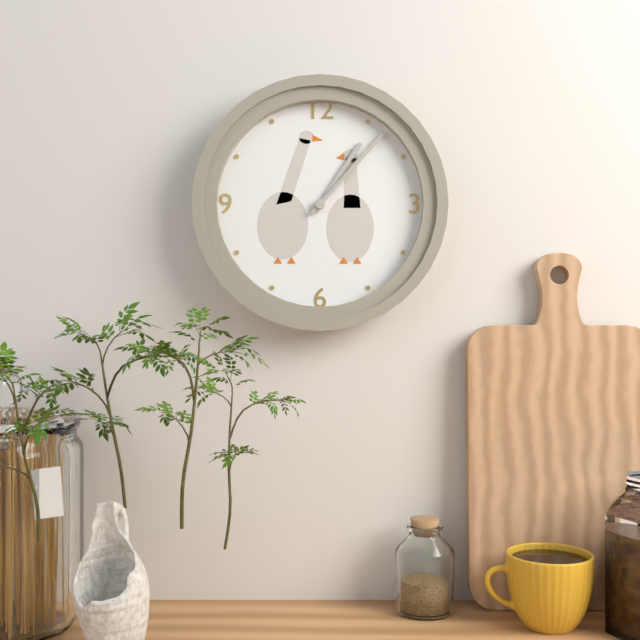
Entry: 1.07
